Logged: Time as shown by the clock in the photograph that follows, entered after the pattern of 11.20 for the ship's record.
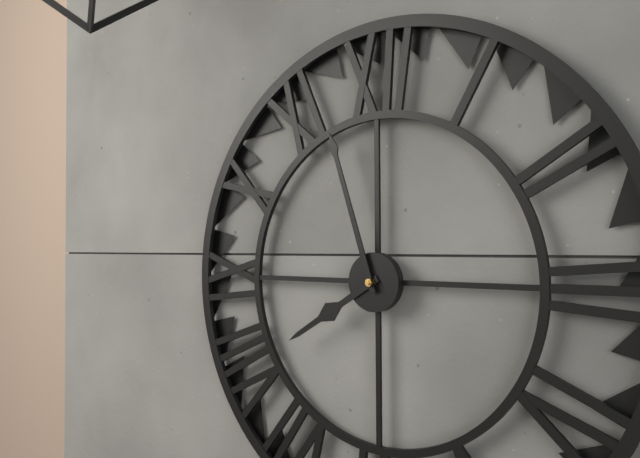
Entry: 7.57
